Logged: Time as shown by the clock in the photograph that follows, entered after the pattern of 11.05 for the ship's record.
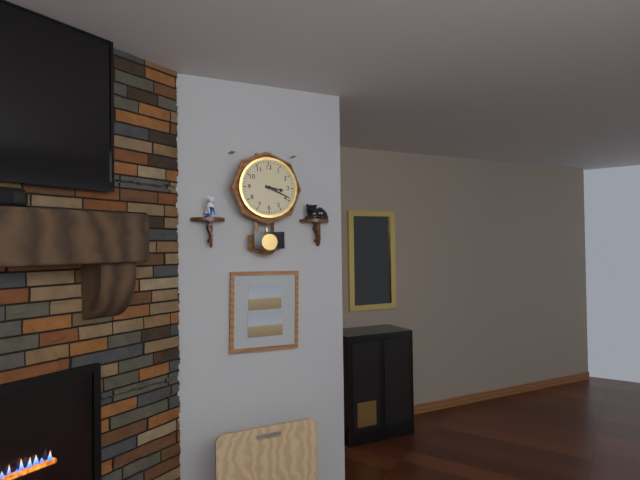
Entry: 3.19
